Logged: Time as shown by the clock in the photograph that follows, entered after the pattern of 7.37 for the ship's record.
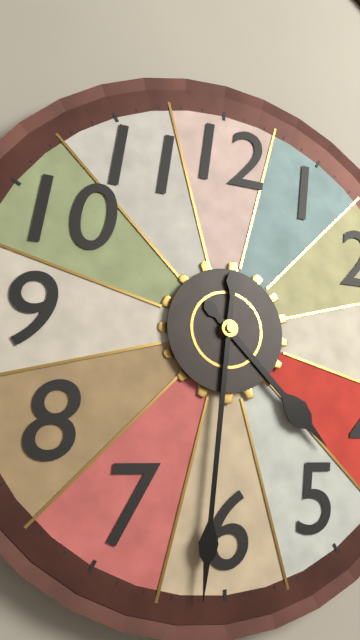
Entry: 4.31
